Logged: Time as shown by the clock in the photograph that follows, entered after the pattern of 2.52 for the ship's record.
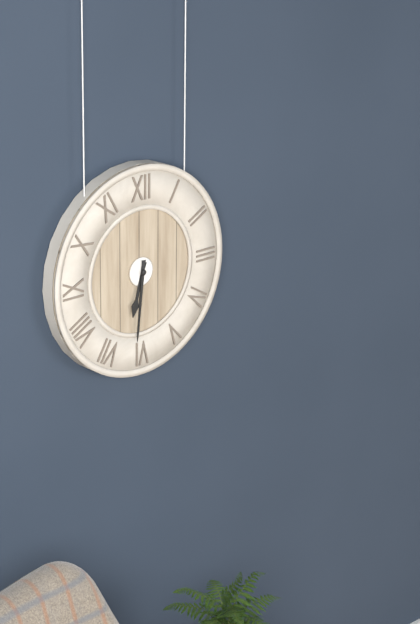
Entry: 6.31
